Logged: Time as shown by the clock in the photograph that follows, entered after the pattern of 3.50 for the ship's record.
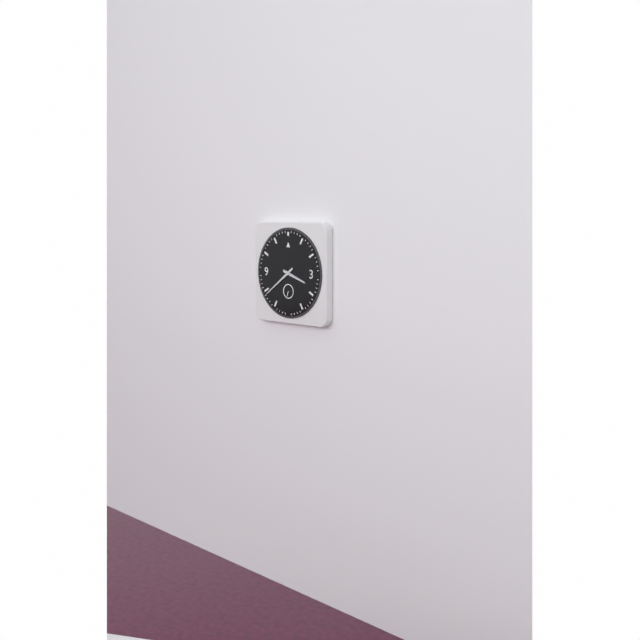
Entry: 3.39
